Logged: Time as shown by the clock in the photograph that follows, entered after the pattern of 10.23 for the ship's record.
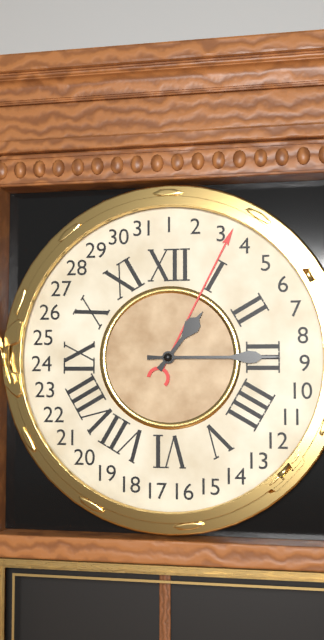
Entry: 1.15
